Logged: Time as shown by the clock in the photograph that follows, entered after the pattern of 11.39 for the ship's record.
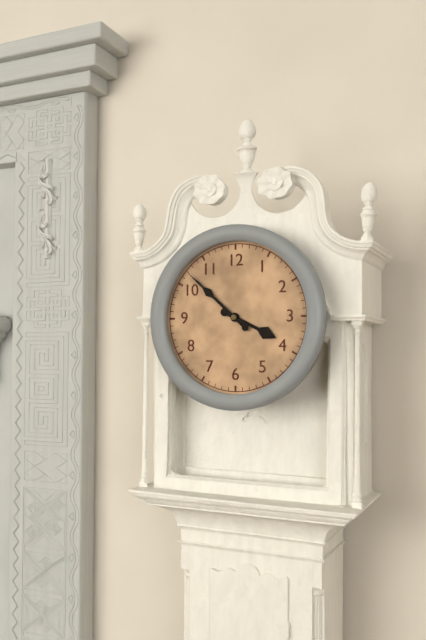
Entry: 3.52
